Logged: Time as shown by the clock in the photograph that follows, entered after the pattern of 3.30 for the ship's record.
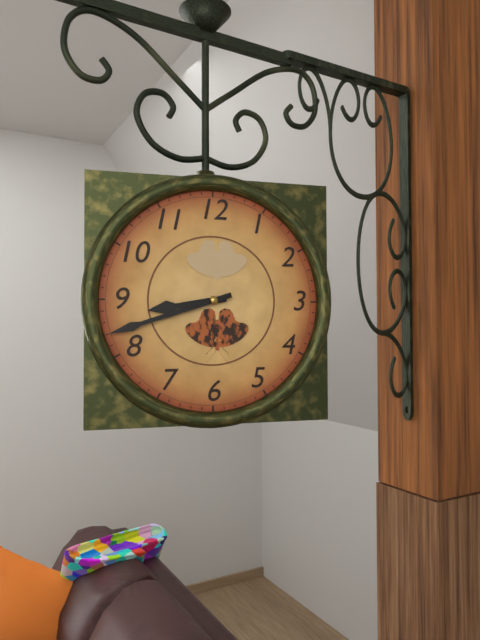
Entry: 8.42
